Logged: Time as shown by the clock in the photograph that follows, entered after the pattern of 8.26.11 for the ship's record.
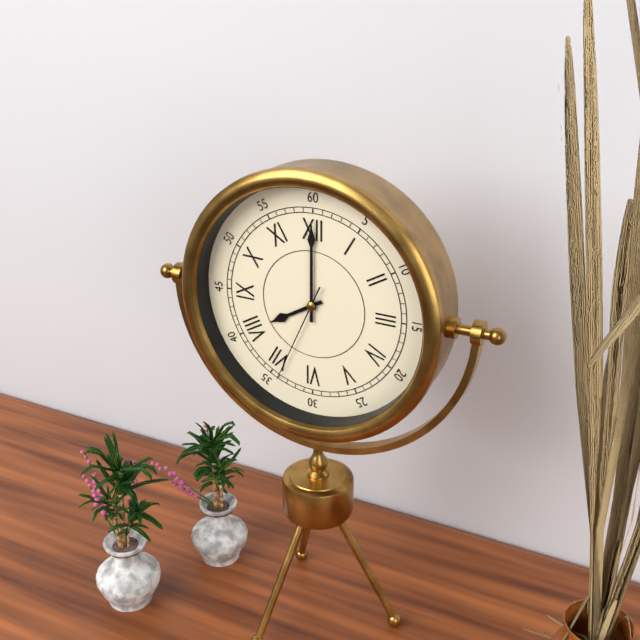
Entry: 8.00.34
